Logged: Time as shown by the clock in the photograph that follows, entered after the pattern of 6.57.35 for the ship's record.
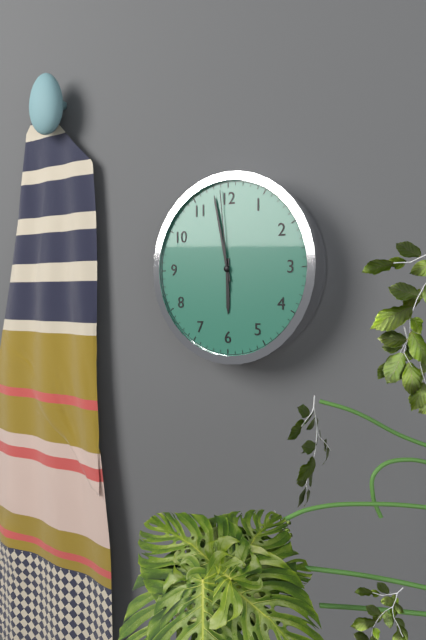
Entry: 5.58.59
